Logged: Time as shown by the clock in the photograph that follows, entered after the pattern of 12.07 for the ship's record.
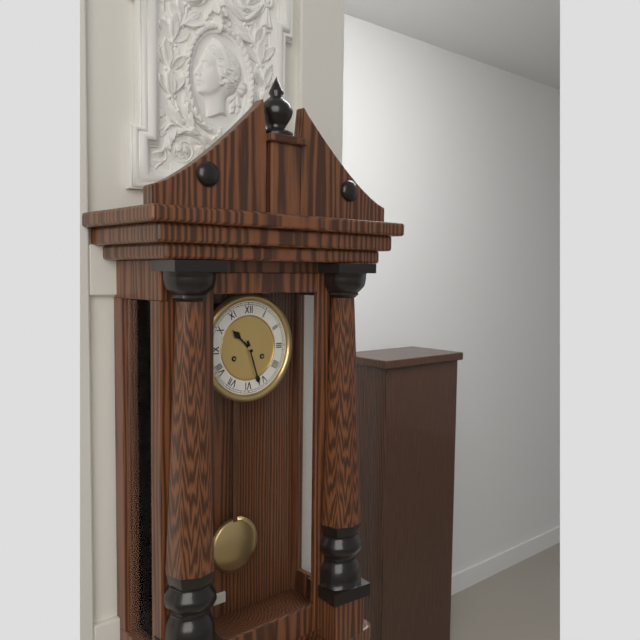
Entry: 10.27
